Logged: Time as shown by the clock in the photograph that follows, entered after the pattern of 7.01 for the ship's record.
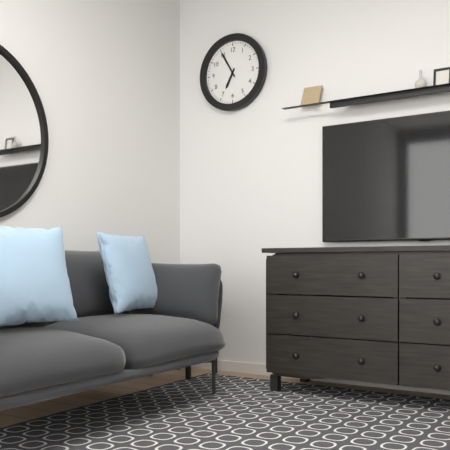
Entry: 6.55
